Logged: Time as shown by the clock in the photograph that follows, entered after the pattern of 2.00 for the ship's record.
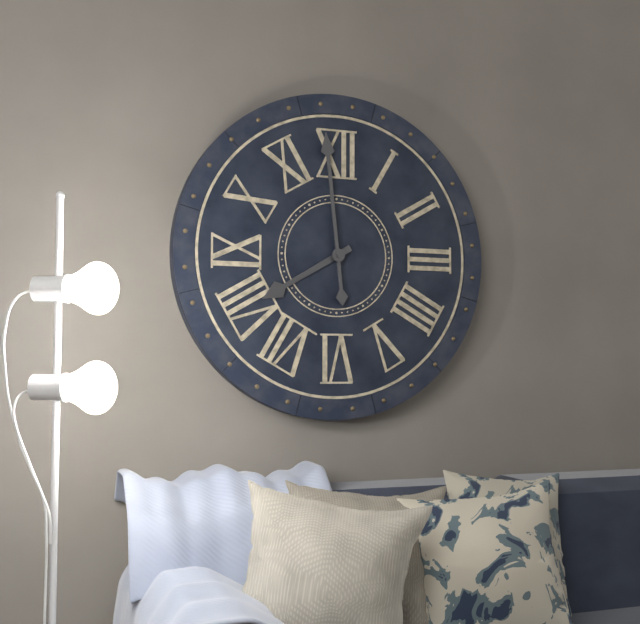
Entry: 7.59
